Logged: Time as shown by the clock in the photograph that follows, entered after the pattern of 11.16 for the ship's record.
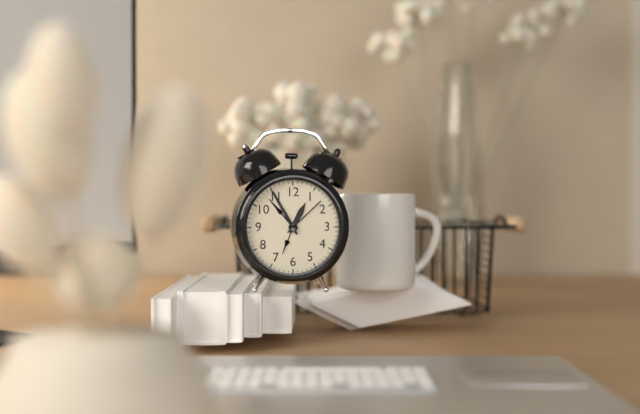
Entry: 12.55
